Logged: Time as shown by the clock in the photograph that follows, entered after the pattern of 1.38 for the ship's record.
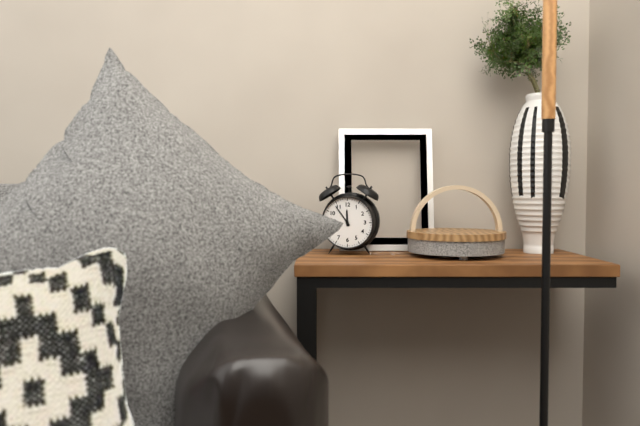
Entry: 11.54
